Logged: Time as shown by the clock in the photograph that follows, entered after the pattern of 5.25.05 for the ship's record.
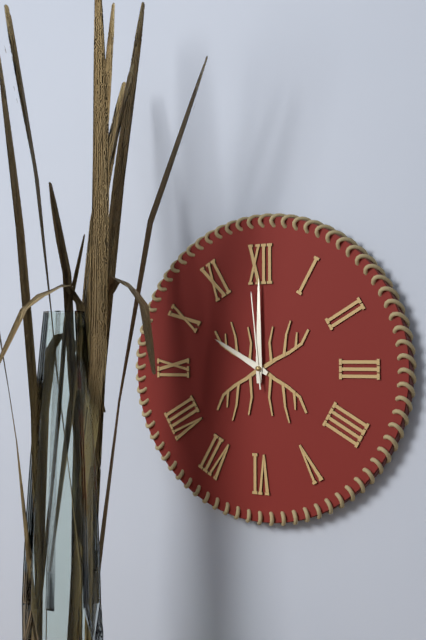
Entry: 10.00.59
